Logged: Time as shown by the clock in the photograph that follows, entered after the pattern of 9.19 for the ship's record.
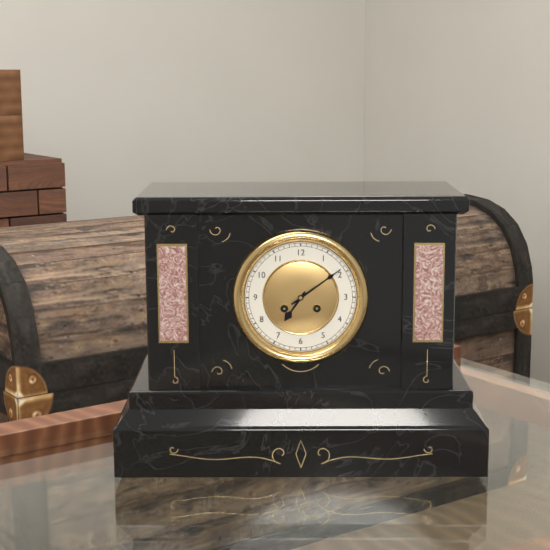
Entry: 7.09
